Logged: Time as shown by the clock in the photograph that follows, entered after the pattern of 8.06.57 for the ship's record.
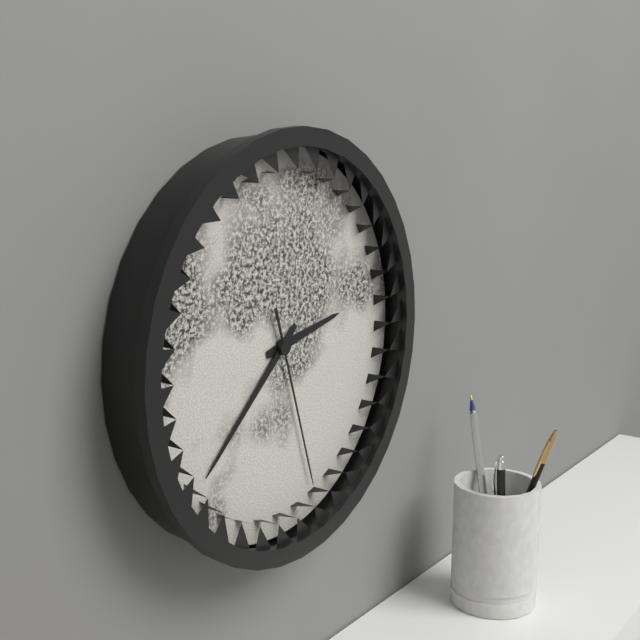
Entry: 2.38.27
